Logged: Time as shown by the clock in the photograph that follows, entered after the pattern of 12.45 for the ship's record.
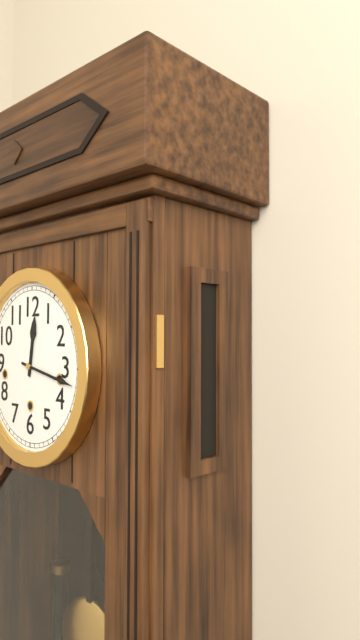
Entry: 12.17
